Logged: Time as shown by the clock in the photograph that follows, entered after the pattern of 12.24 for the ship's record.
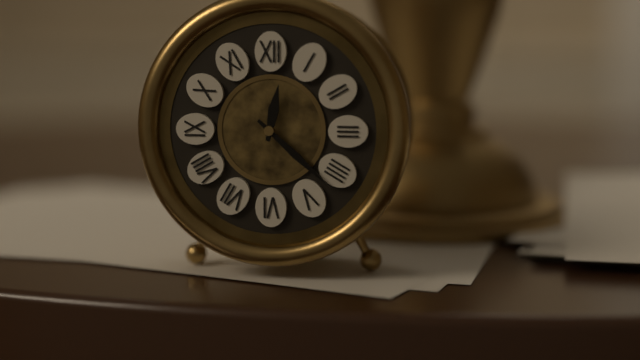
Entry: 12.22
